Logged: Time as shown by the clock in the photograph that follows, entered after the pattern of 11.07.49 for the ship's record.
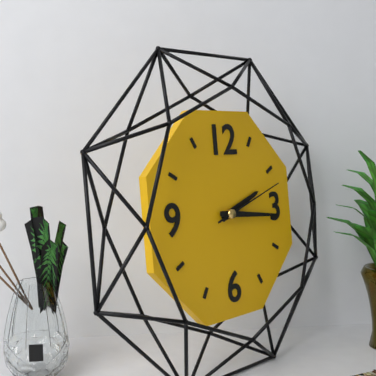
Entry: 2.16.12
